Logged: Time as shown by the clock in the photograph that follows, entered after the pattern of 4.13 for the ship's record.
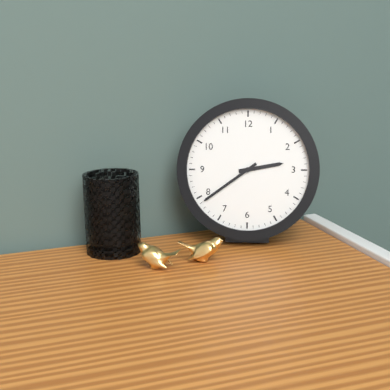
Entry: 2.39
